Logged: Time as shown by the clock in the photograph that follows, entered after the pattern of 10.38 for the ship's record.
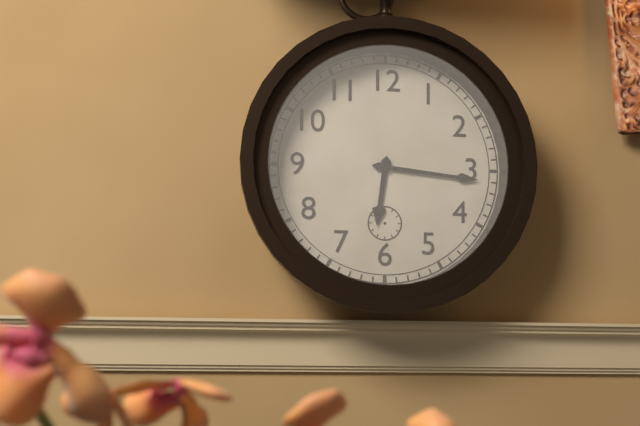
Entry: 6.16
